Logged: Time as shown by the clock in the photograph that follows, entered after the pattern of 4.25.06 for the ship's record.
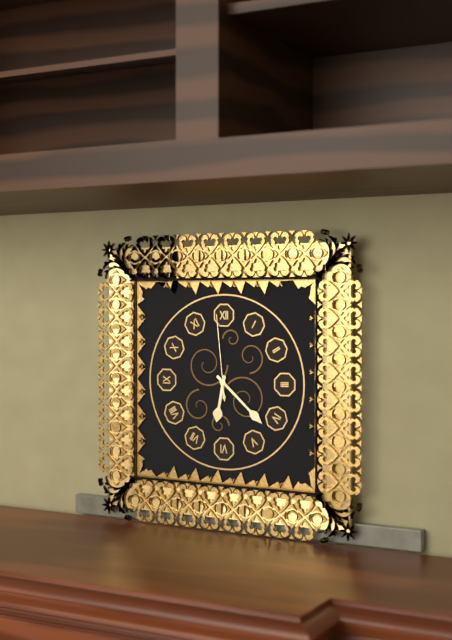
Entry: 6.22.59
